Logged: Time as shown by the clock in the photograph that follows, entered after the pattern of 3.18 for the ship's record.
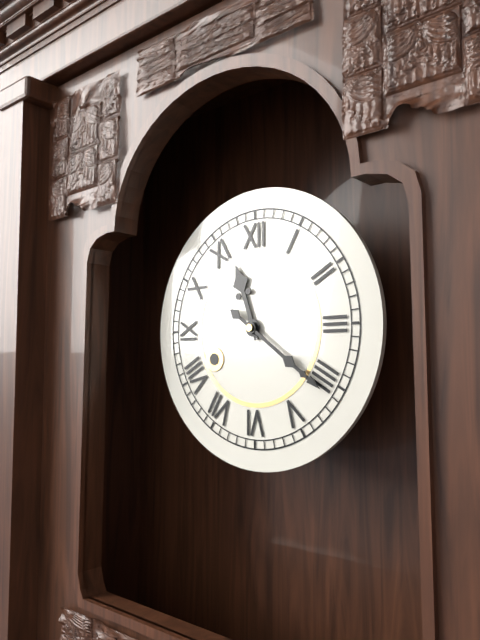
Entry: 11.21
